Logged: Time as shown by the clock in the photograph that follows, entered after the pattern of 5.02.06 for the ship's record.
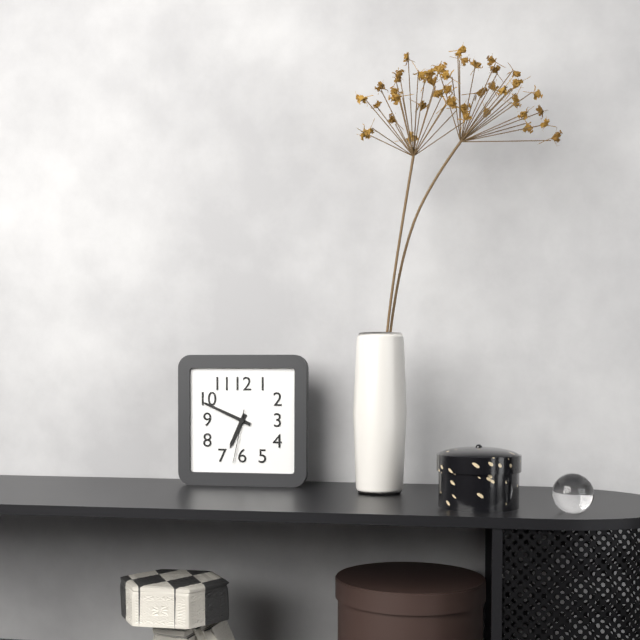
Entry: 6.49.32
